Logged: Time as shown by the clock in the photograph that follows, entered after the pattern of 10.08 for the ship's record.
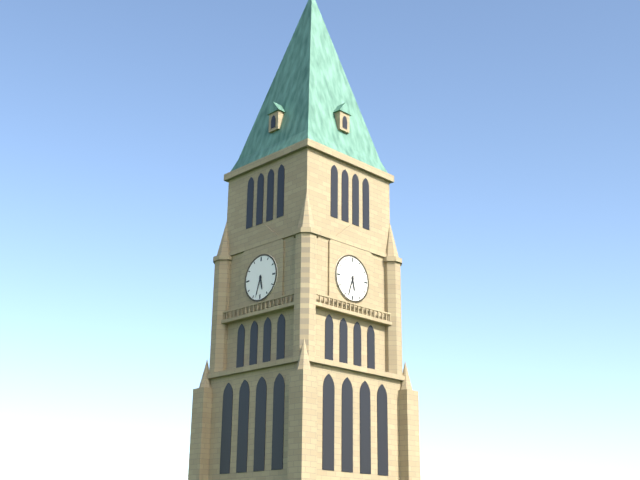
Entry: 5.33
